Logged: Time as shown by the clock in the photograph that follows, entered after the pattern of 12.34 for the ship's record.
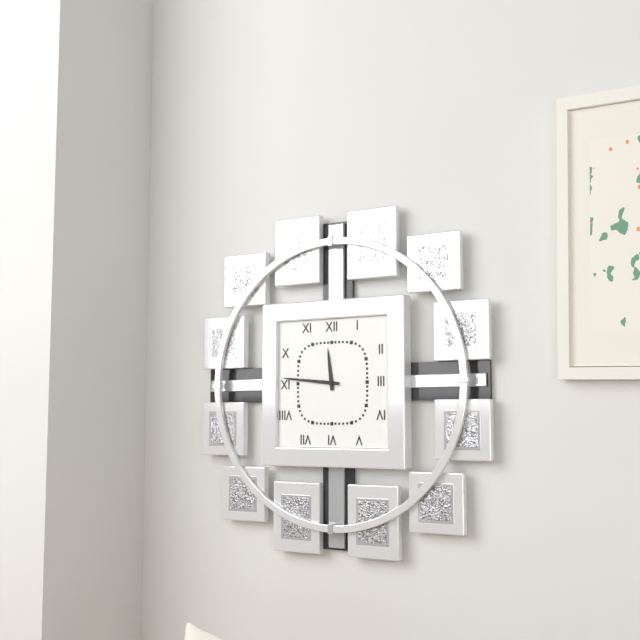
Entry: 11.46
